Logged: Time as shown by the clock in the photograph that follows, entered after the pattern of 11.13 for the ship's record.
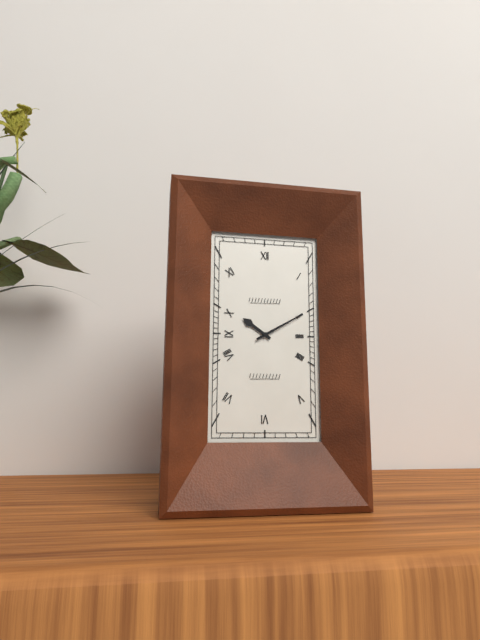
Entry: 10.10
